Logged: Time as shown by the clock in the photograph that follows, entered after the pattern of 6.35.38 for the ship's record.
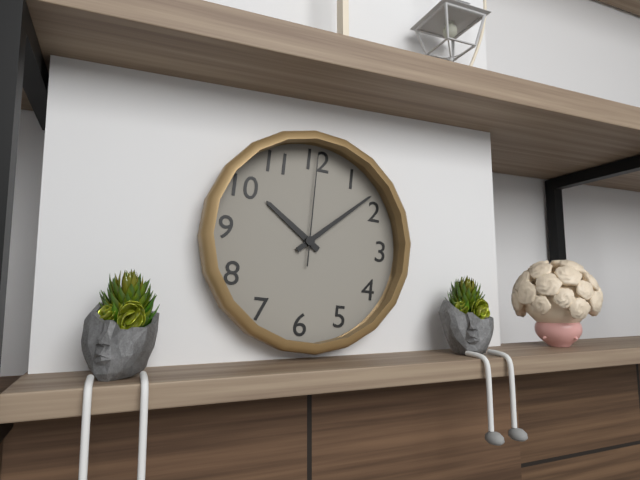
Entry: 10.08.00
